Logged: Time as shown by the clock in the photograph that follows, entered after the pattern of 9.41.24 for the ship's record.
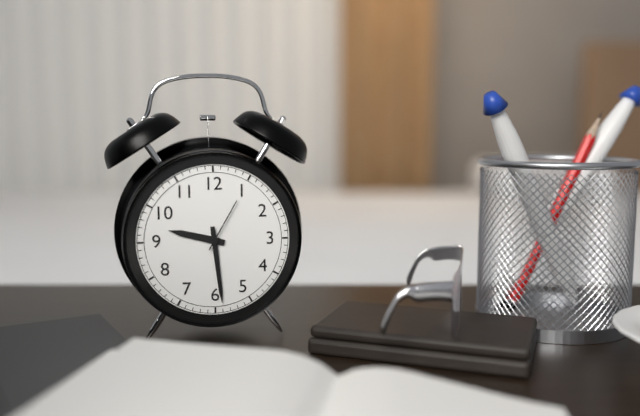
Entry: 9.29.05
